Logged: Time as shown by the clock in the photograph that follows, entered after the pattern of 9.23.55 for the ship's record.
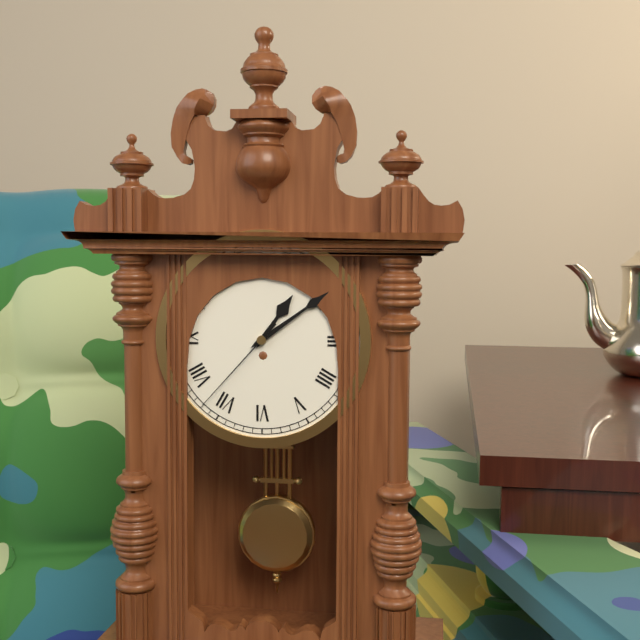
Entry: 1.09.37
